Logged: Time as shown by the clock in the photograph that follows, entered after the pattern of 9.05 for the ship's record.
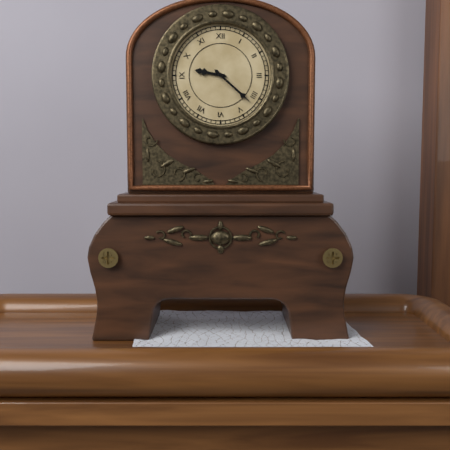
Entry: 9.22
